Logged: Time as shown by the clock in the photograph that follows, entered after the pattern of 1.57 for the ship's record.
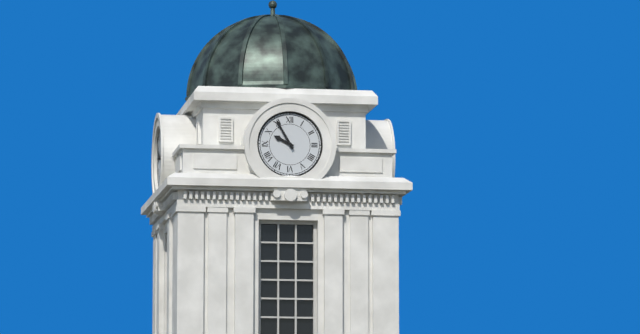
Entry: 9.55
